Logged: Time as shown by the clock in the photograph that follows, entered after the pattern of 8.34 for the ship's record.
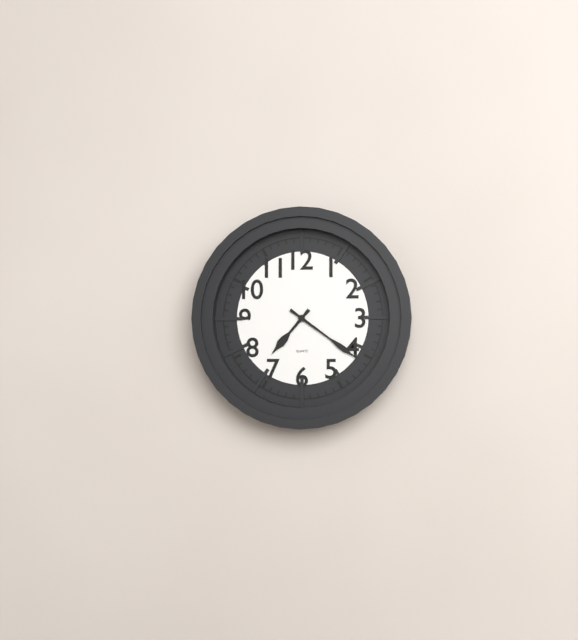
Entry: 7.21
